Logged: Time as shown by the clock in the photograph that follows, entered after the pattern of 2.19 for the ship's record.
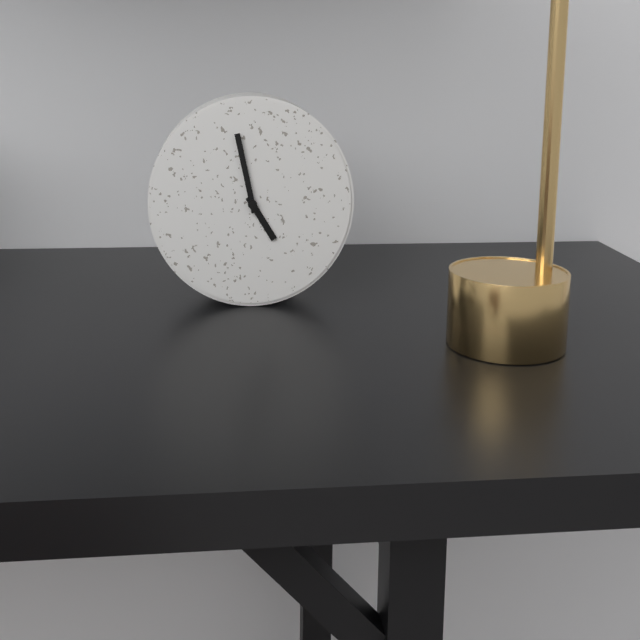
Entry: 4.58
